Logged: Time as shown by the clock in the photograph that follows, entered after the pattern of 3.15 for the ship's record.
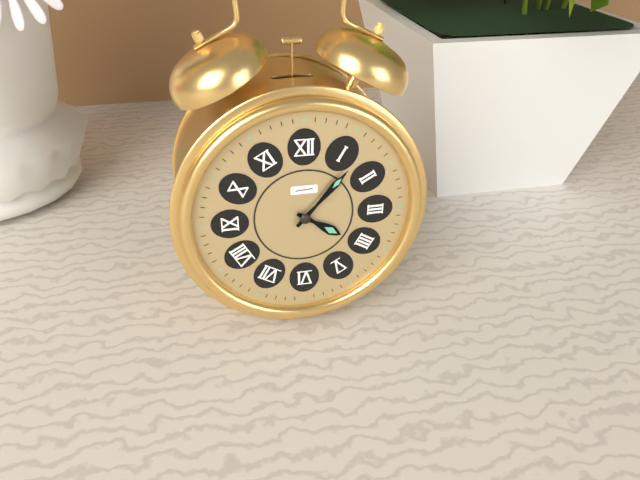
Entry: 4.07
